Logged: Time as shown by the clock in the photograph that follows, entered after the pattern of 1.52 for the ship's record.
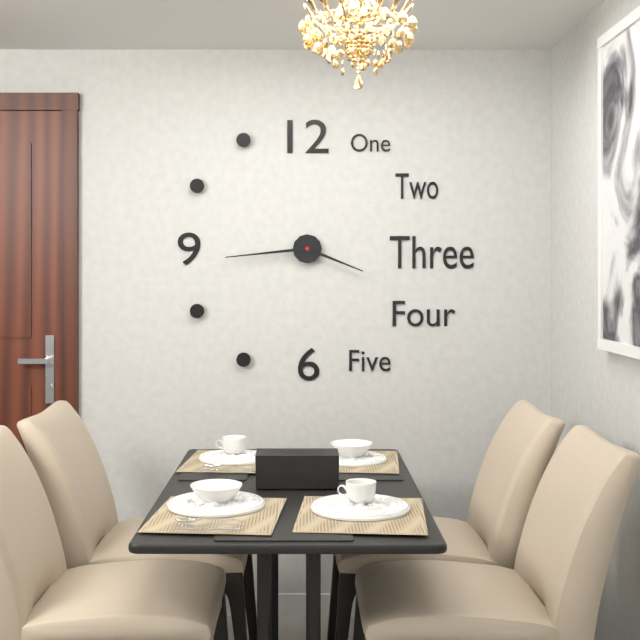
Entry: 3.44
